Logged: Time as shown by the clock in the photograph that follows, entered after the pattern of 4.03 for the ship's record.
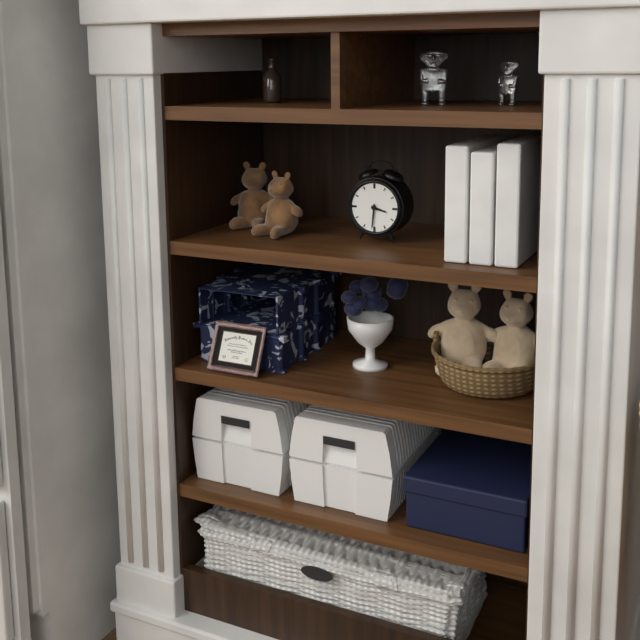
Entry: 3.31
